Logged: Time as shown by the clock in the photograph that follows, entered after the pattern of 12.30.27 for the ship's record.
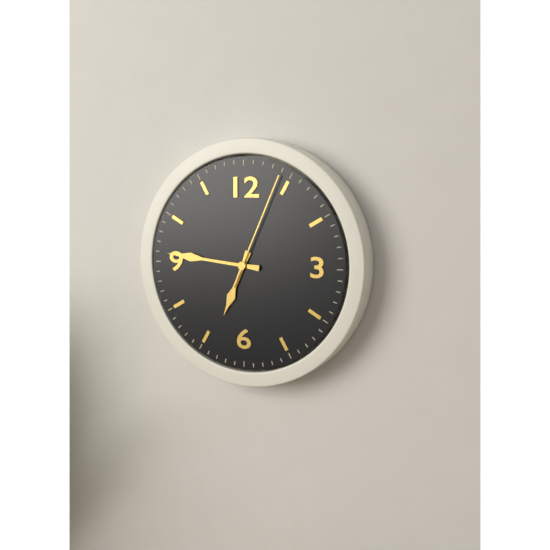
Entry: 6.46.04
